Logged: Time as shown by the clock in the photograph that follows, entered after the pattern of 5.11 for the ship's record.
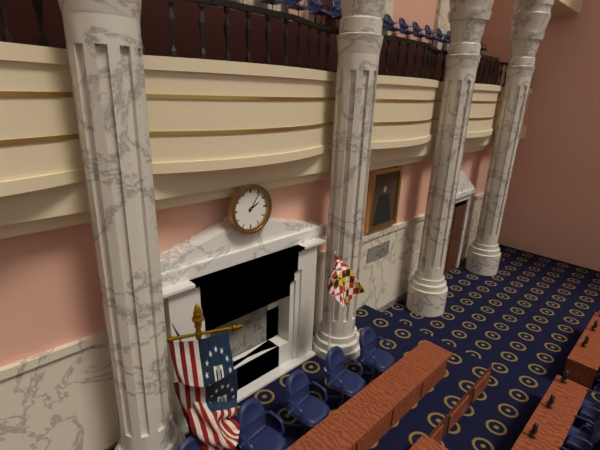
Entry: 2.06
